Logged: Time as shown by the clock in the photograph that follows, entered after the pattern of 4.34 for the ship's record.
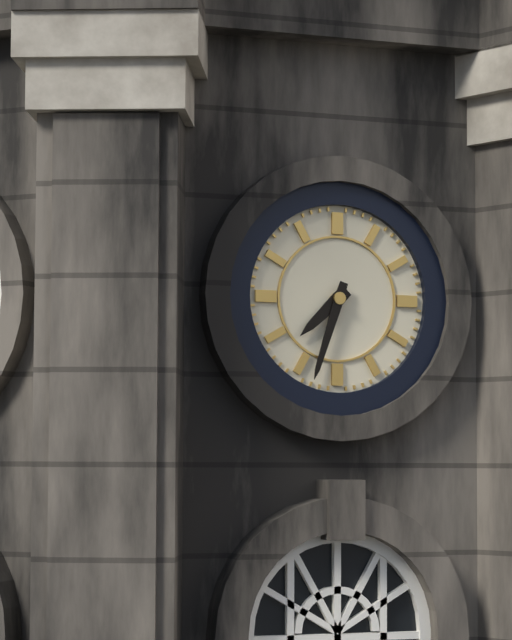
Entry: 7.33
